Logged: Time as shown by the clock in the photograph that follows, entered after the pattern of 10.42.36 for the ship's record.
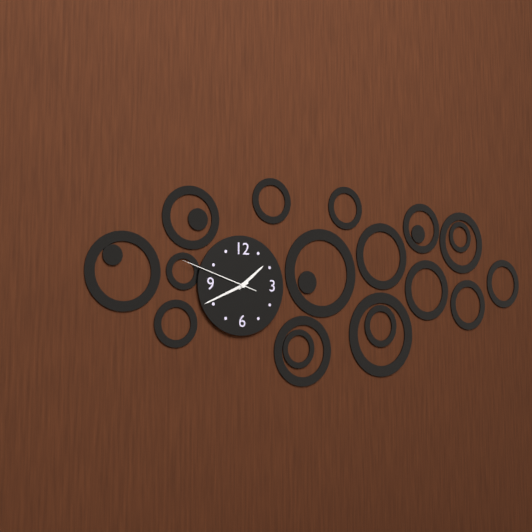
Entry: 1.41.48
